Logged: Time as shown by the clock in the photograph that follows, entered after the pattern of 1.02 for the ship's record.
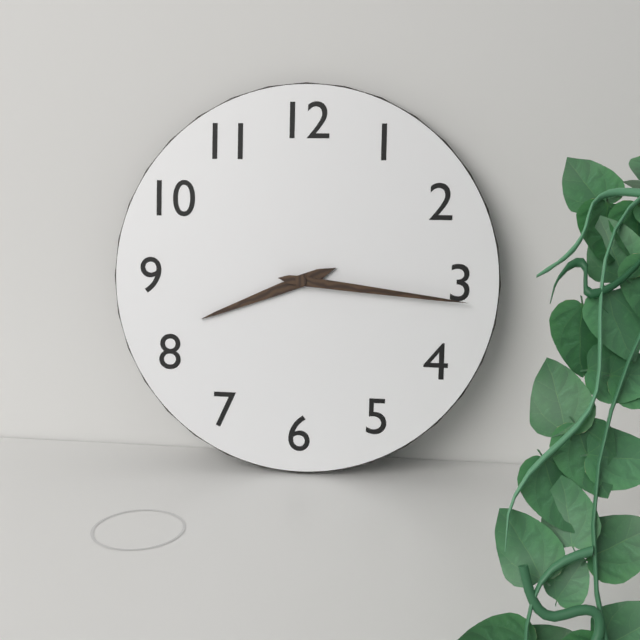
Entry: 8.16
